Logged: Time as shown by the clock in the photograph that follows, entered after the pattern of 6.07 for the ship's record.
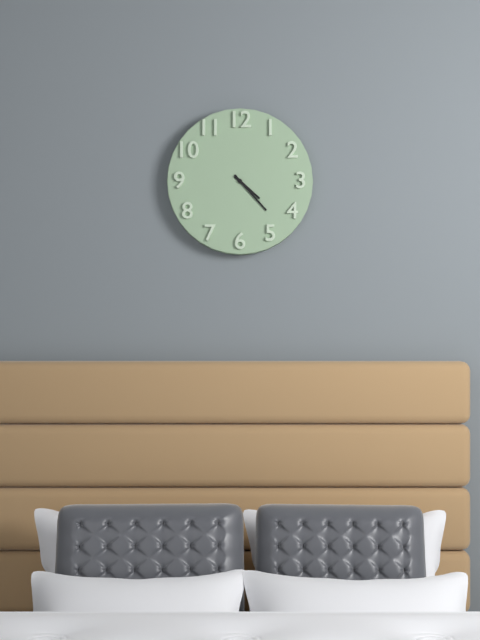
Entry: 4.23
